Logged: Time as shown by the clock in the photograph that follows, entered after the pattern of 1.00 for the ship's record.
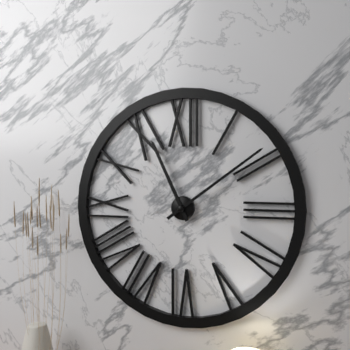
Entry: 11.09
